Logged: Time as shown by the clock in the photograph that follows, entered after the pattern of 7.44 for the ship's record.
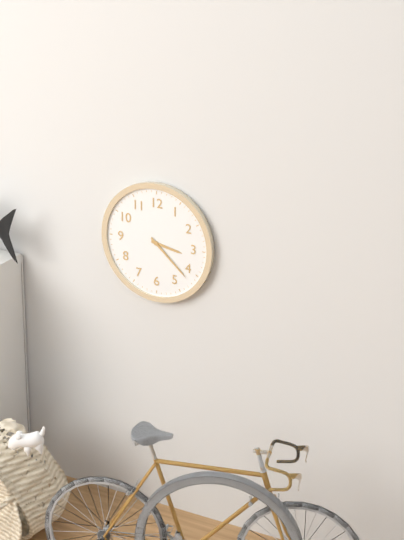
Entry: 3.22
